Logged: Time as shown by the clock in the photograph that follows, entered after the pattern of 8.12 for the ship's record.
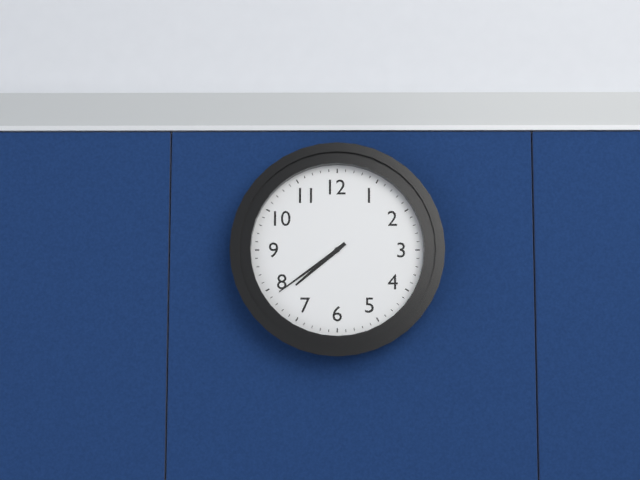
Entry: 7.39
